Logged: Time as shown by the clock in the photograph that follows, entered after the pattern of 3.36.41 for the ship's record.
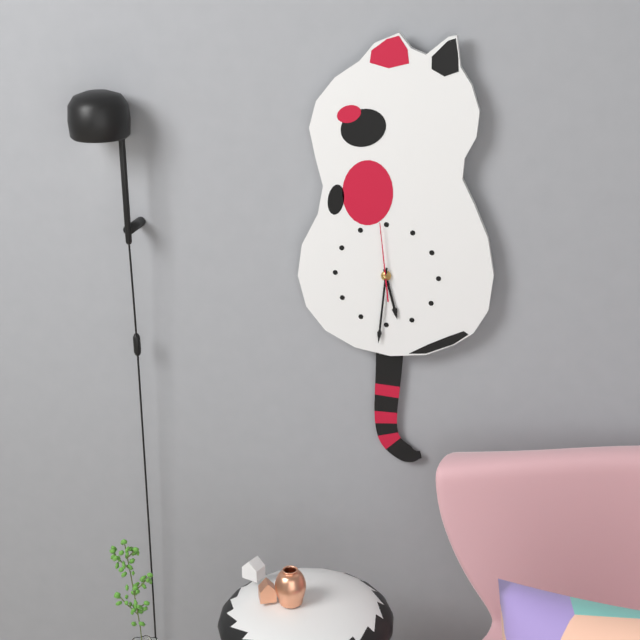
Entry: 5.31.59
